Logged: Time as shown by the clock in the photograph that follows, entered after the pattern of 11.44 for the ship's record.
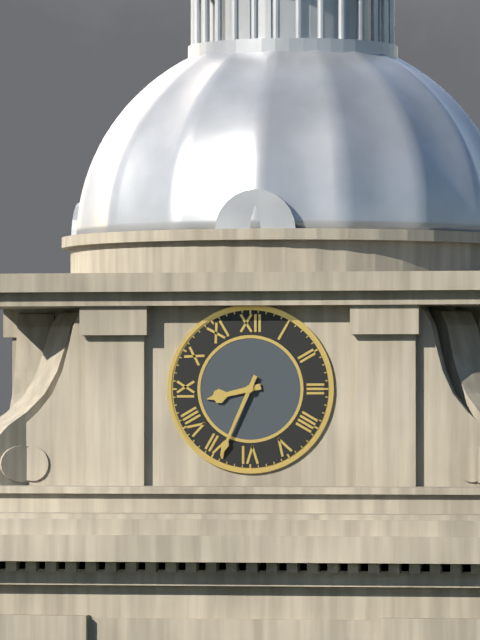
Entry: 8.34
